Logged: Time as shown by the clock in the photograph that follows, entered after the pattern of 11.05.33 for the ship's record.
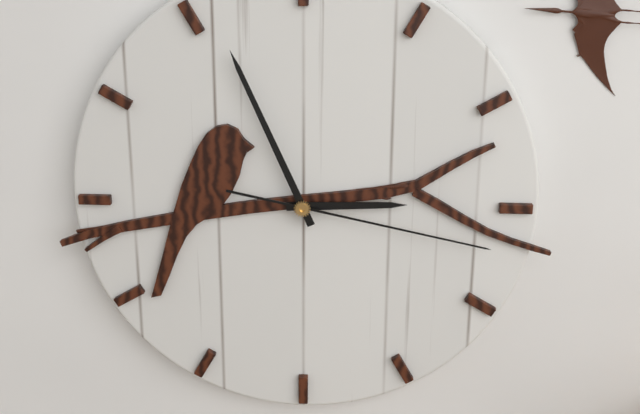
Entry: 2.56.17
